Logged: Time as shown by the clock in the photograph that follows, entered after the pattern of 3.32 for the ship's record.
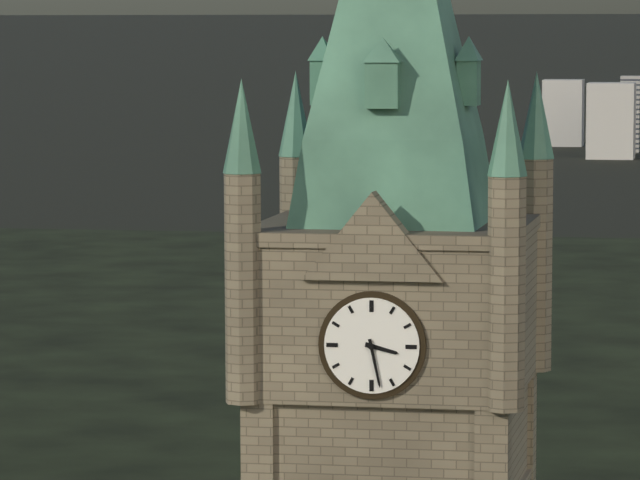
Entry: 3.28
